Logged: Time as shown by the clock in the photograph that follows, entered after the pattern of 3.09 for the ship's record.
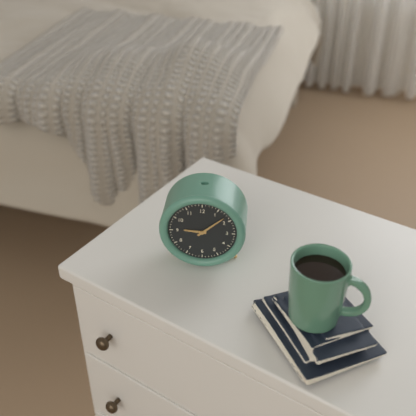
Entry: 9.08
